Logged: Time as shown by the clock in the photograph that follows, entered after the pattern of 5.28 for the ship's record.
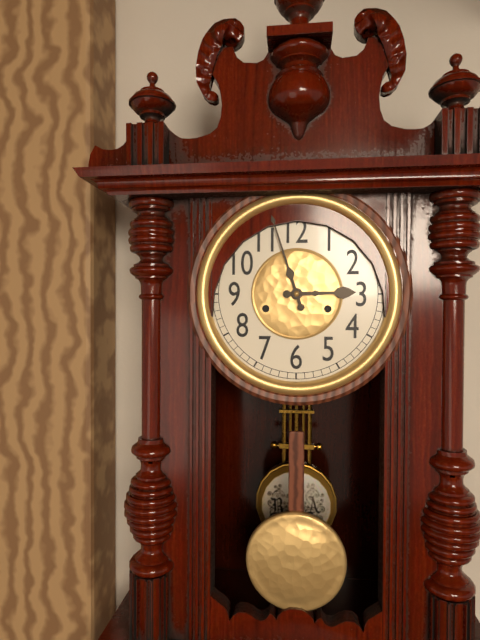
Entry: 2.57
